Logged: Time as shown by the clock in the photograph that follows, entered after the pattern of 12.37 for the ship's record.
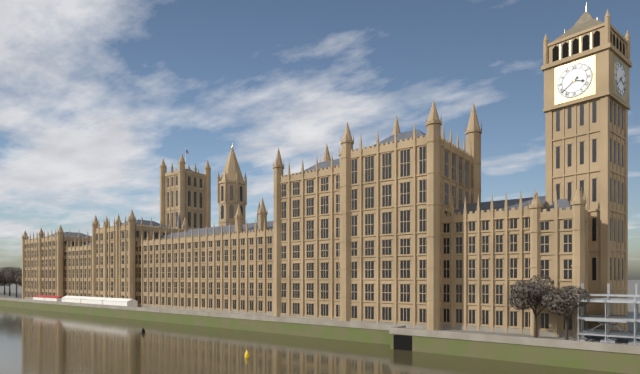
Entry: 3.39
